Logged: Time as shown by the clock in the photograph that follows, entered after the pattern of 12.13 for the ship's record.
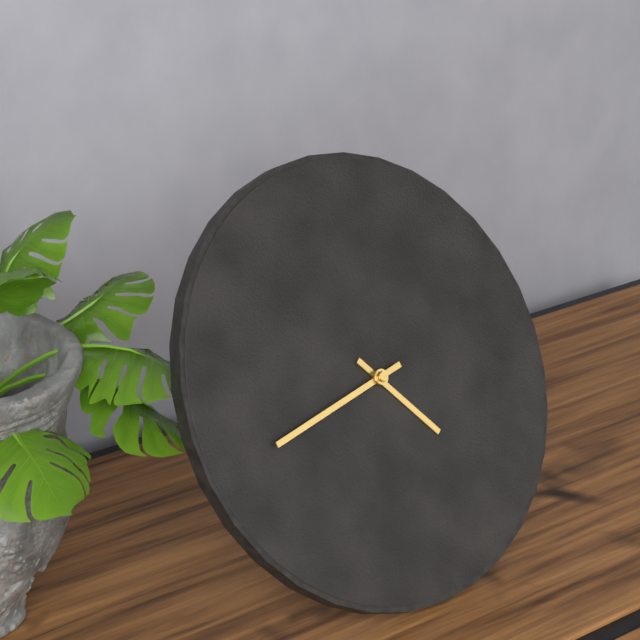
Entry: 4.43
